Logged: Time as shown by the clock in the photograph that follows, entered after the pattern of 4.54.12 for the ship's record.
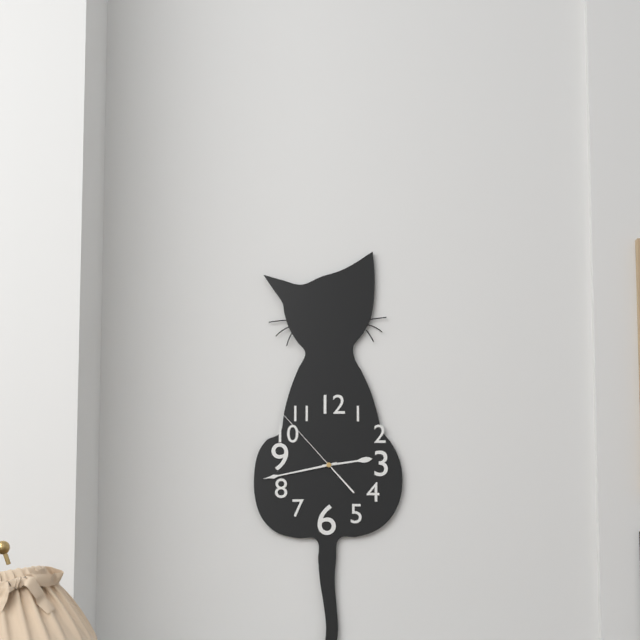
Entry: 2.43.53
